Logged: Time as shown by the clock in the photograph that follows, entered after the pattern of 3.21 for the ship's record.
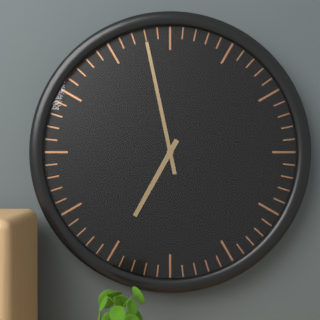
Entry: 6.58
